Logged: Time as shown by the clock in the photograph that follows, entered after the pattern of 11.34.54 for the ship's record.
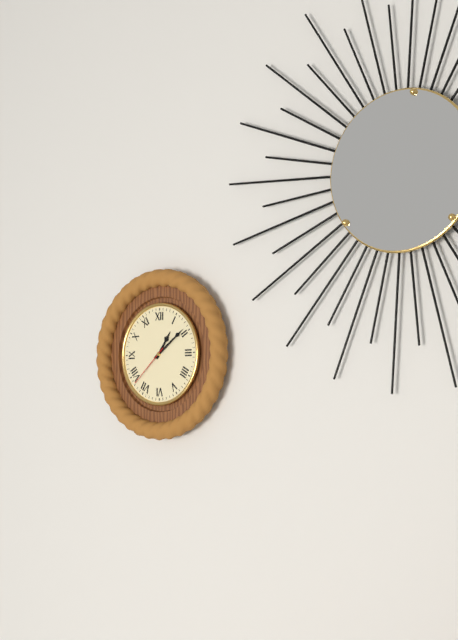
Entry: 1.09.38
